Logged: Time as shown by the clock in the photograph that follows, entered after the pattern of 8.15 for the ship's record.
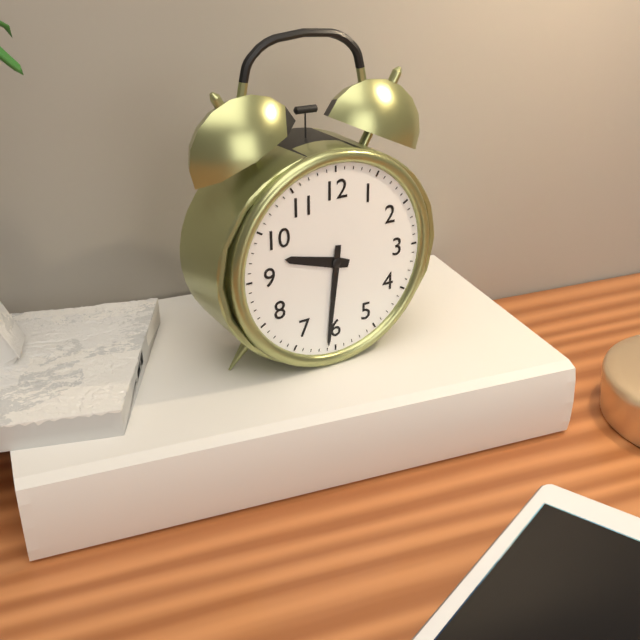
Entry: 9.31
